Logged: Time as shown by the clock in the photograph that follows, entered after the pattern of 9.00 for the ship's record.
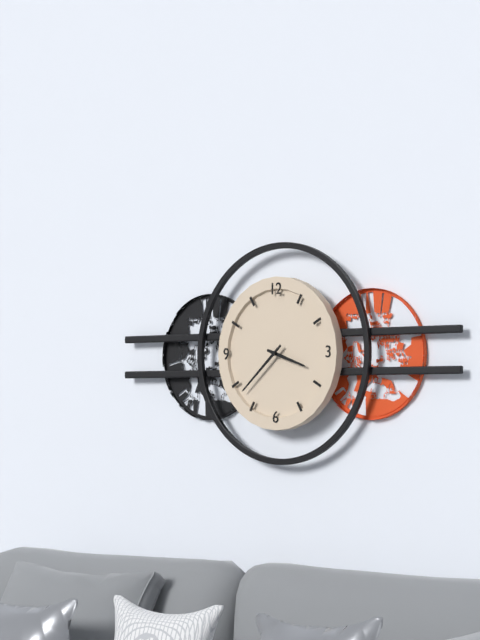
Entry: 3.38
